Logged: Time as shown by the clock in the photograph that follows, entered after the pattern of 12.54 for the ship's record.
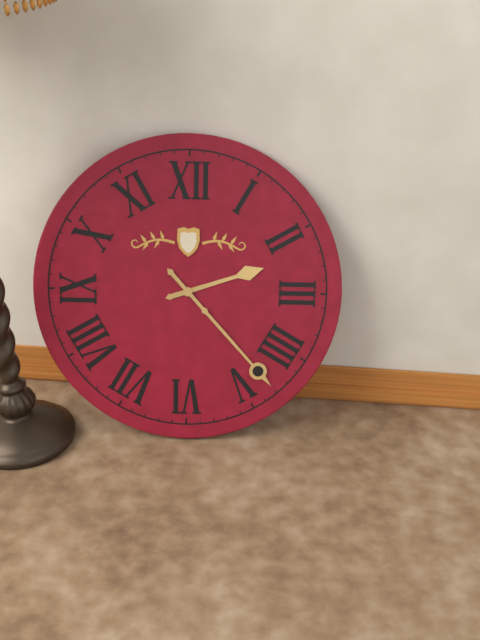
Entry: 2.23
